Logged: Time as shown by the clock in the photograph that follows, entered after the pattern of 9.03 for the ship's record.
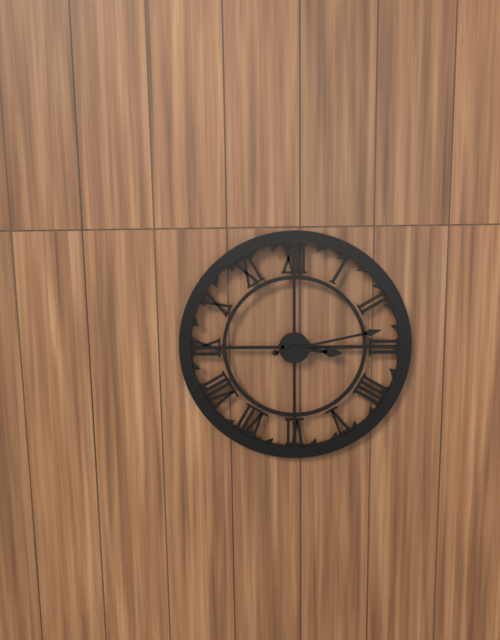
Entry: 3.13
